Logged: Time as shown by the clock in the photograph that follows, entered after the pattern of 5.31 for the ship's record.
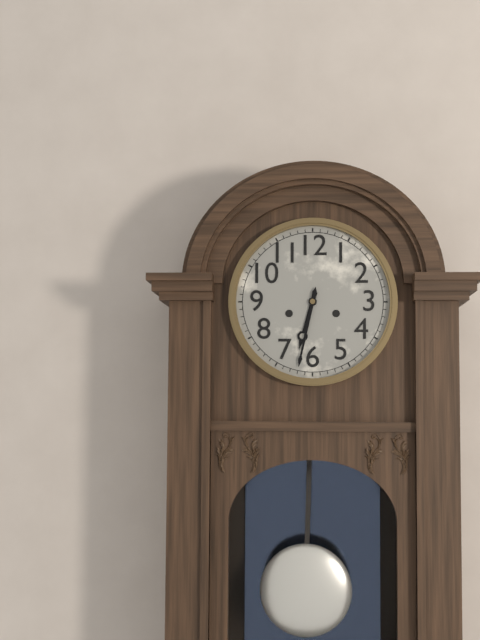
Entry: 6.32
